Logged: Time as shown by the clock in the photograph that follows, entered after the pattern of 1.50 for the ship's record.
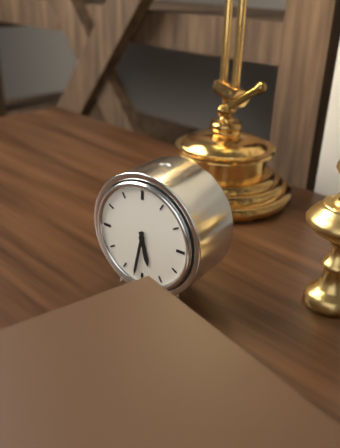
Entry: 5.32
